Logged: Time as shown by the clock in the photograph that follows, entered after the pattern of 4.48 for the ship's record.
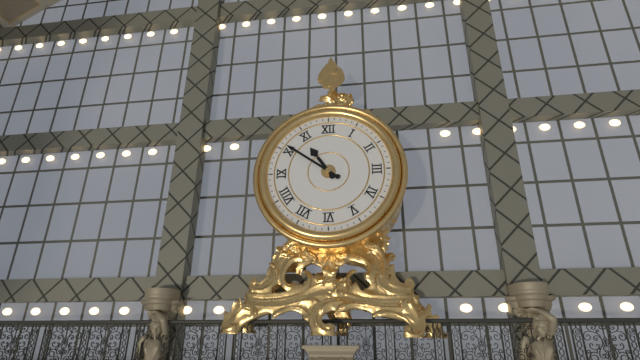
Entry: 10.51
